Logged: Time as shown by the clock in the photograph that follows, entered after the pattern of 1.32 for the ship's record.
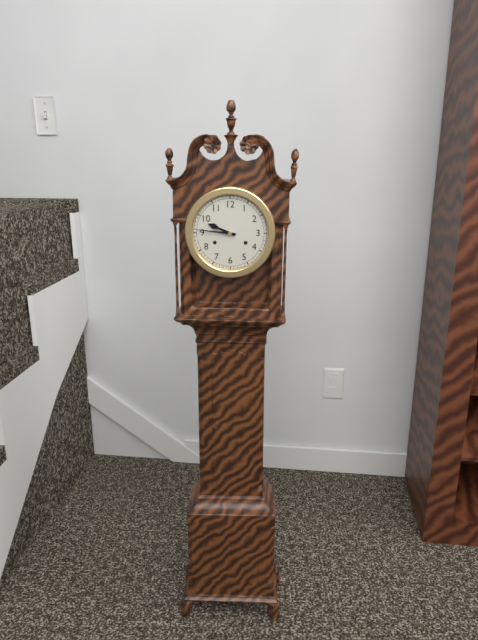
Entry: 9.46
